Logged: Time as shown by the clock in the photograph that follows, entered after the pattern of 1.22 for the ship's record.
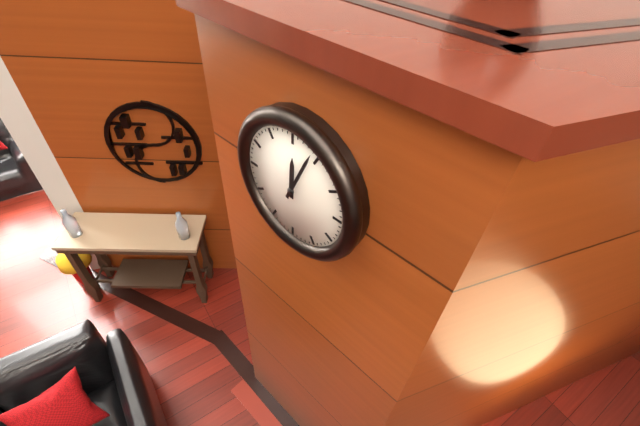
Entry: 12.04
